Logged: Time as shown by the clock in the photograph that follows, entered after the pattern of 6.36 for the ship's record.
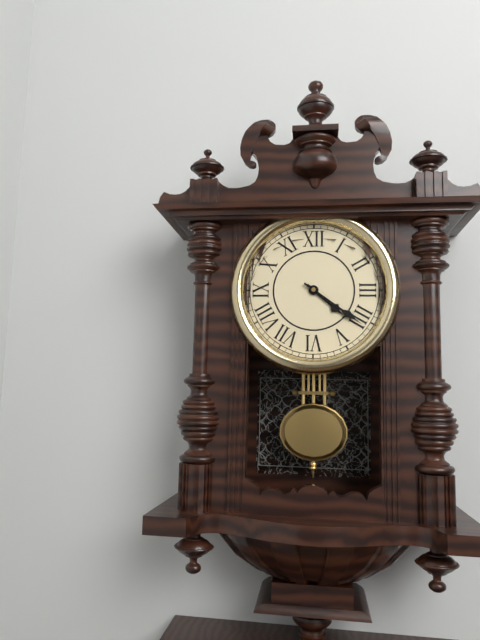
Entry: 4.21
